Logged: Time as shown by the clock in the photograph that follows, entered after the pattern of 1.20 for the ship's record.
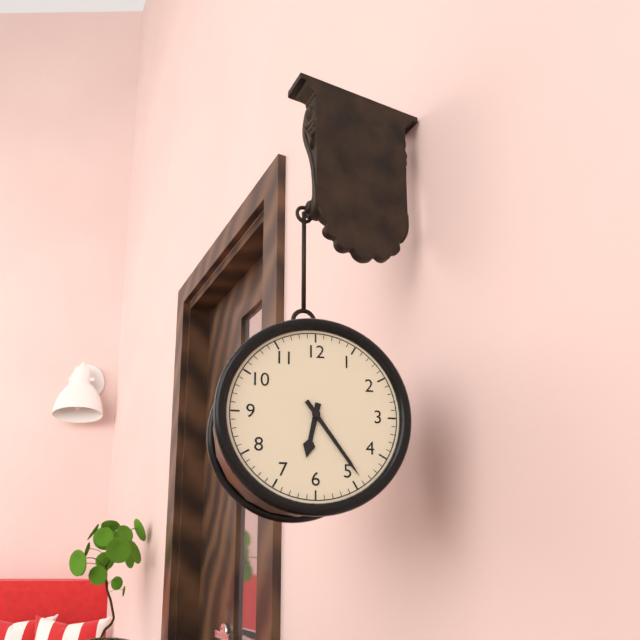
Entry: 6.24
